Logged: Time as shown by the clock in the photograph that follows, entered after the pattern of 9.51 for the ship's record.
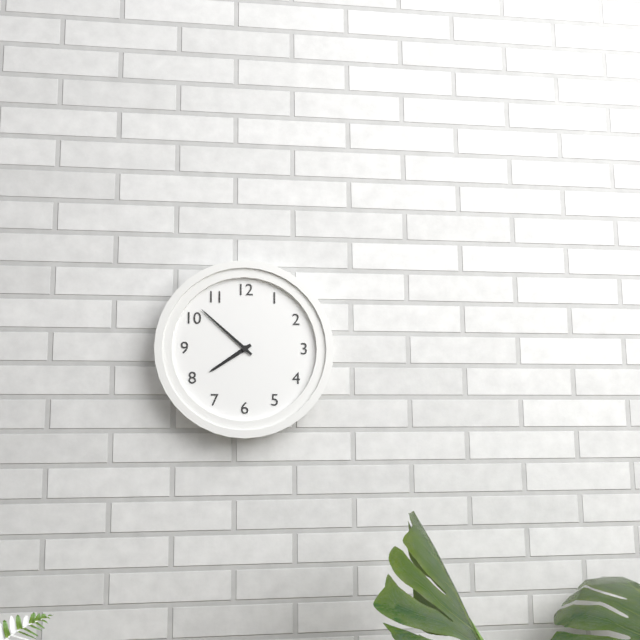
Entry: 7.52
